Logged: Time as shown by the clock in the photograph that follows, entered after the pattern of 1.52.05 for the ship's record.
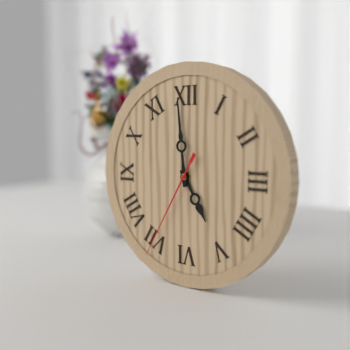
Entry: 4.59.35
